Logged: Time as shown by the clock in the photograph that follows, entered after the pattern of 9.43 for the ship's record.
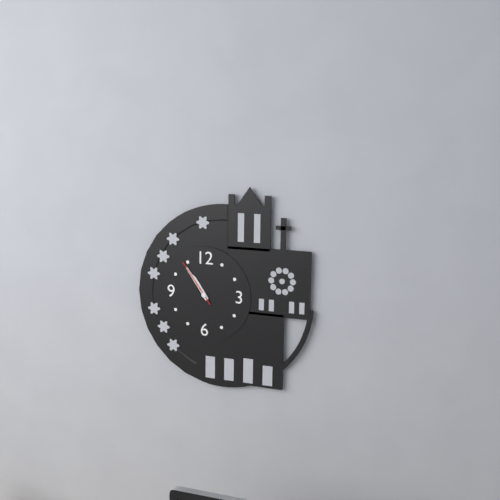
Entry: 10.54
